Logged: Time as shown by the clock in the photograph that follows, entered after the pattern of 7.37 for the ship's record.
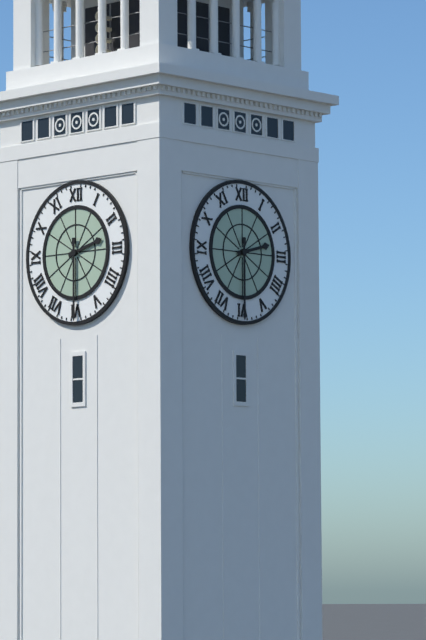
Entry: 2.30
